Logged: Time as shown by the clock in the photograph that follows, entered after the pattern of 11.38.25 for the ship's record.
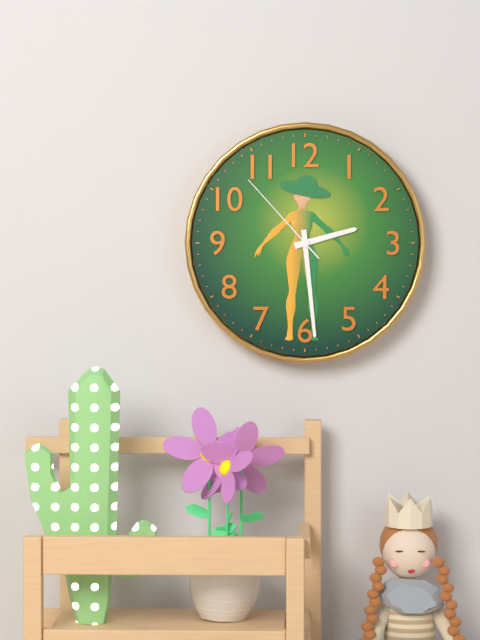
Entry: 2.29.53
